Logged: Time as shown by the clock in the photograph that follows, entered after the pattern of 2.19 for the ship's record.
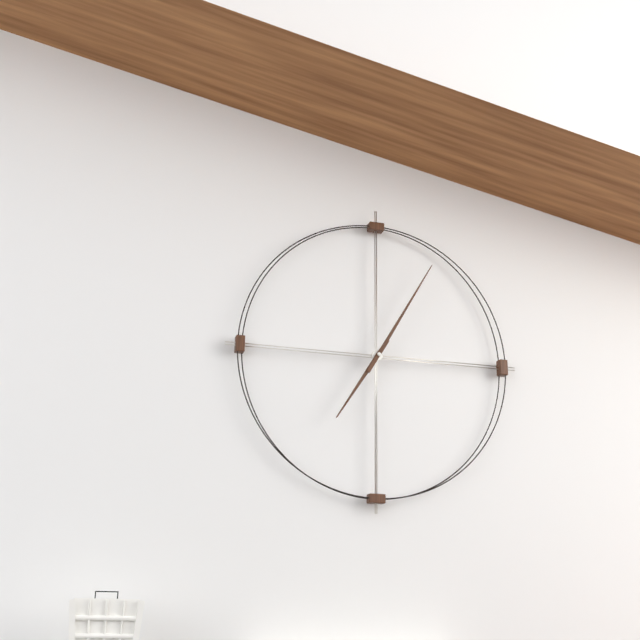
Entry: 7.05
